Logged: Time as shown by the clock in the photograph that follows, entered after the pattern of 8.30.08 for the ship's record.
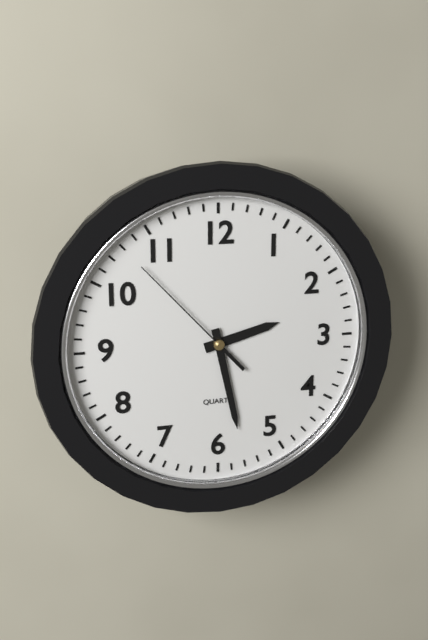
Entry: 2.28.53
